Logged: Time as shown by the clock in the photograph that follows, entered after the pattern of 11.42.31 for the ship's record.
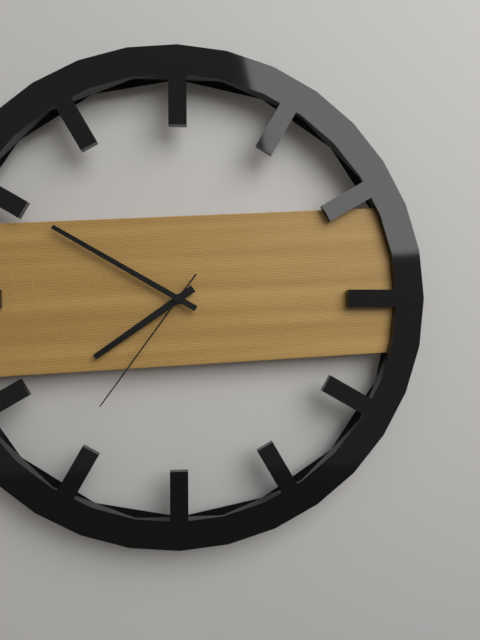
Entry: 7.50.36
